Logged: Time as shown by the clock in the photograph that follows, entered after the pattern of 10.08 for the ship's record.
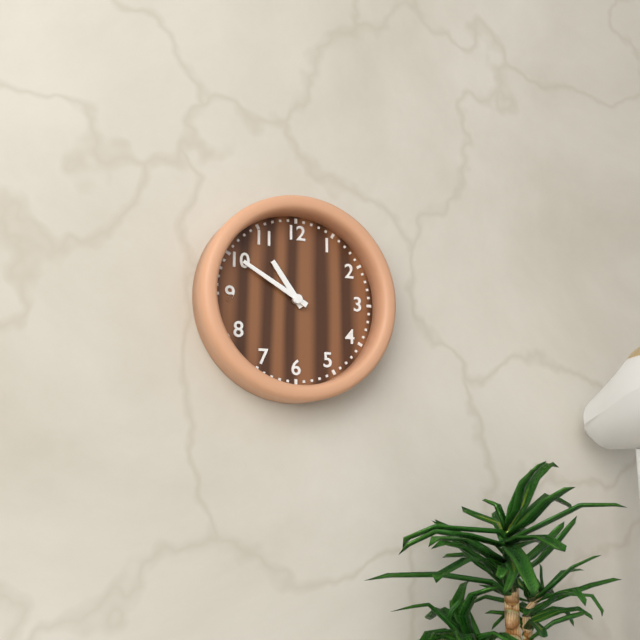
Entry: 10.50
